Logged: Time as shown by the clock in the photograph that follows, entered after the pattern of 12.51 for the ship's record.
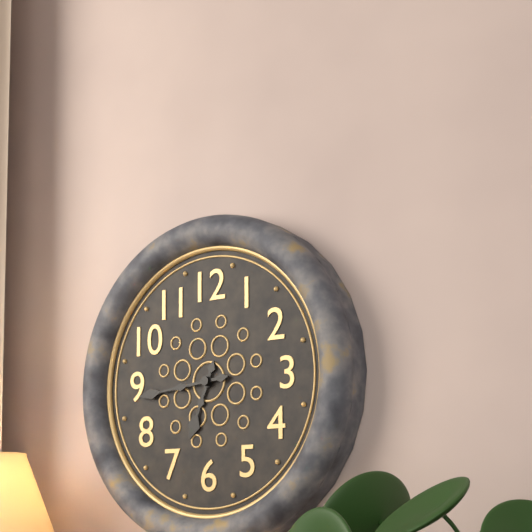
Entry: 6.44
